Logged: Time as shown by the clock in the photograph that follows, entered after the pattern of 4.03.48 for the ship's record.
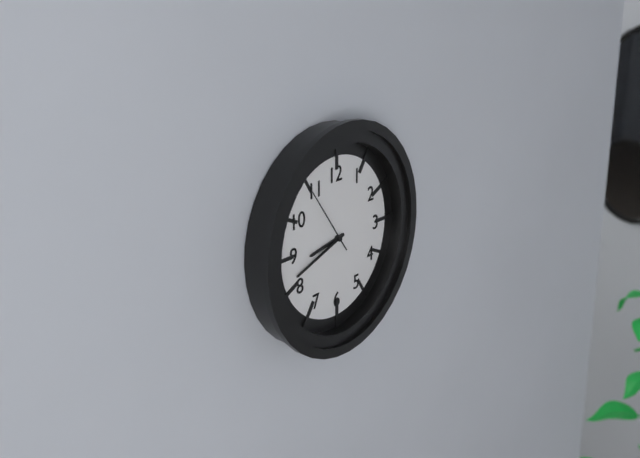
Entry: 8.42.54
